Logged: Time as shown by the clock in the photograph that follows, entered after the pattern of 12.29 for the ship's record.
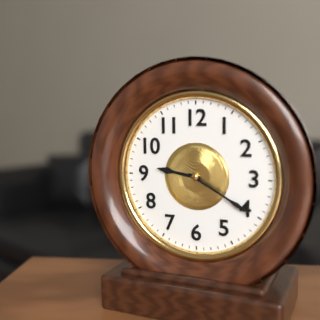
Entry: 9.20
